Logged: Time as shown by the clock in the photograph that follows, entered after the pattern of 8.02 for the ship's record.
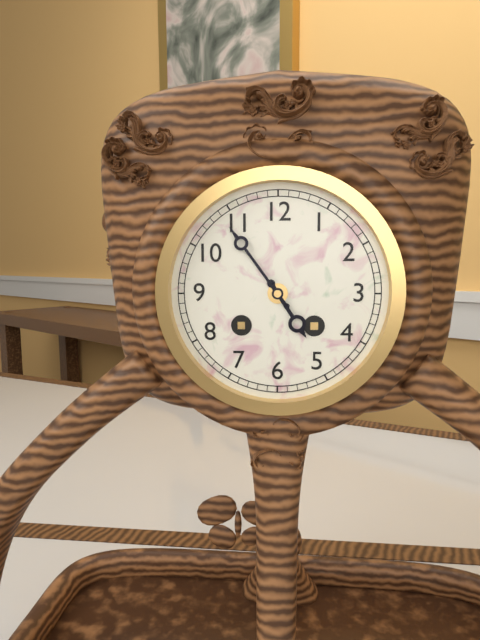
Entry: 4.54
